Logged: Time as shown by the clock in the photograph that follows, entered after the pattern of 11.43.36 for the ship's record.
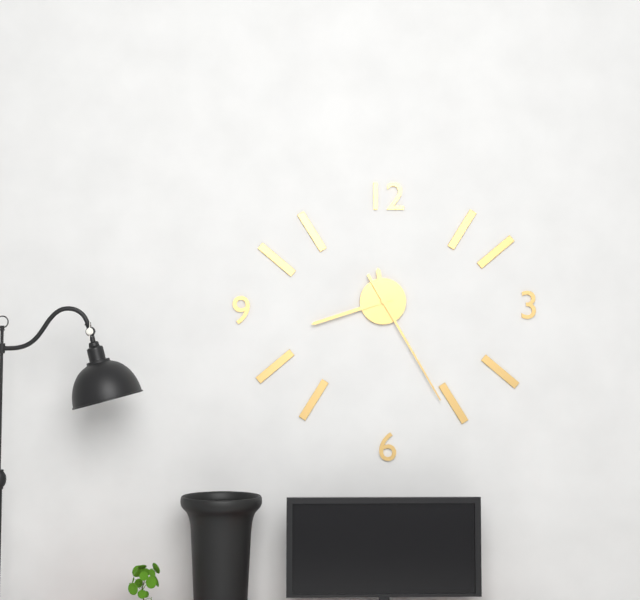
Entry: 11.42.25
